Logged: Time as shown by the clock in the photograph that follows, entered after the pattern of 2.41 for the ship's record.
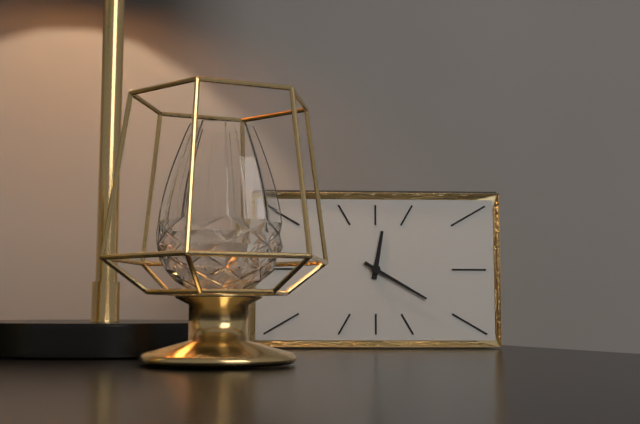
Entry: 12.20
